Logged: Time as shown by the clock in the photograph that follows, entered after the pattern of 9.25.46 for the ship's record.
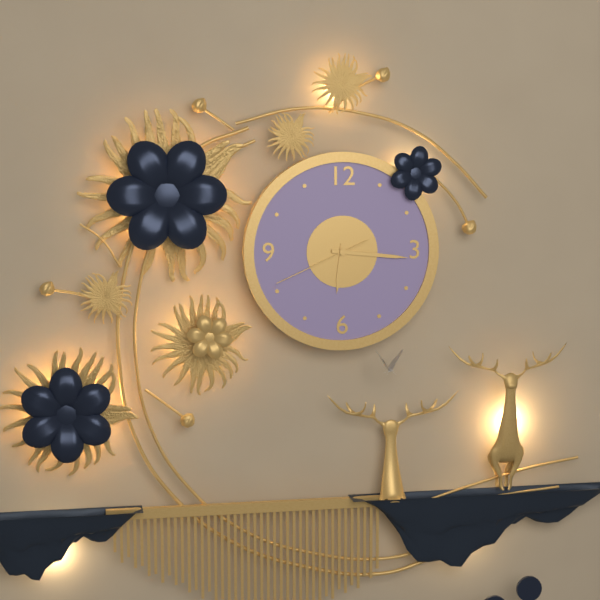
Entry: 6.16.41
